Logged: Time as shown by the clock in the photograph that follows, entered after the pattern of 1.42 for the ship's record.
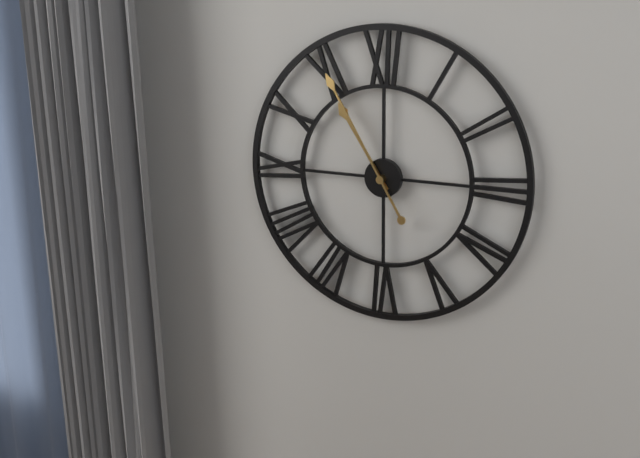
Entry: 10.55
